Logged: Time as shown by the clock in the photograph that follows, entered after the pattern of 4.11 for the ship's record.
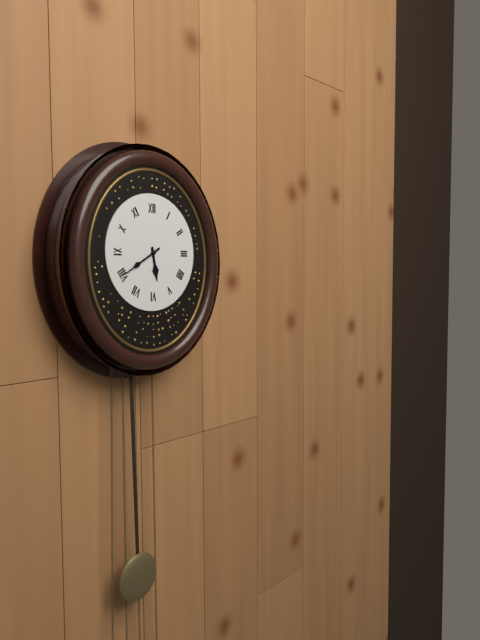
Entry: 5.40
